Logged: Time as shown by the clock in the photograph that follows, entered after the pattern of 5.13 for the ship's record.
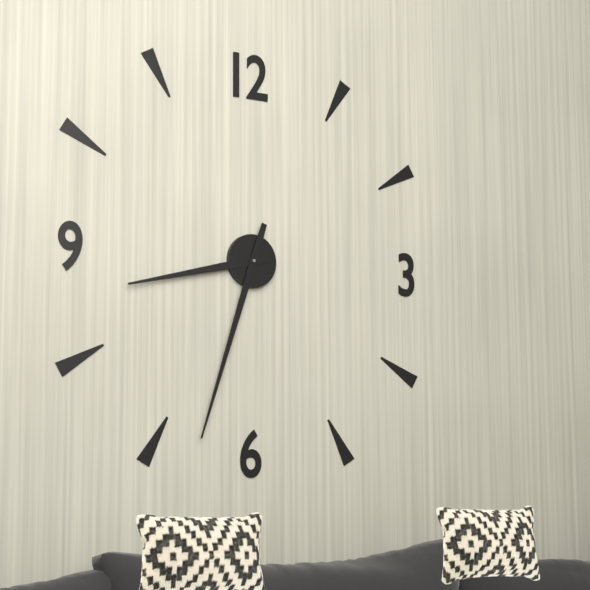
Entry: 8.33
